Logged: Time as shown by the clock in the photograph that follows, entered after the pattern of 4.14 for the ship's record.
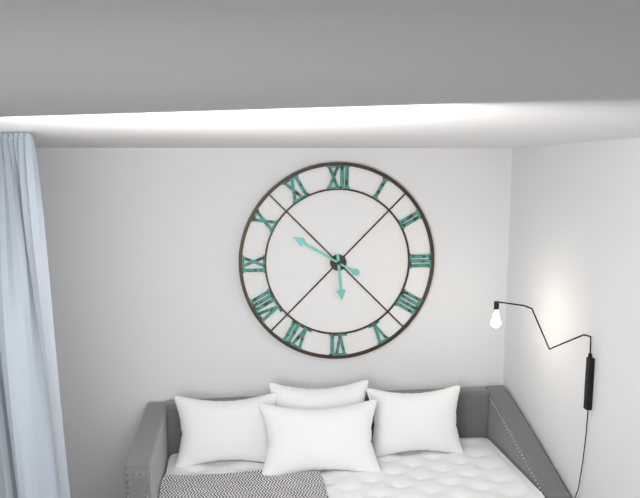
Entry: 5.50
